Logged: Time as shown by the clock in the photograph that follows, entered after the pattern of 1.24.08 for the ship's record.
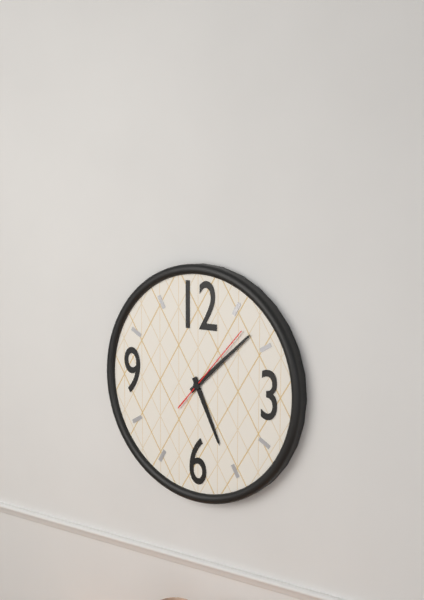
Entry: 5.08.07
